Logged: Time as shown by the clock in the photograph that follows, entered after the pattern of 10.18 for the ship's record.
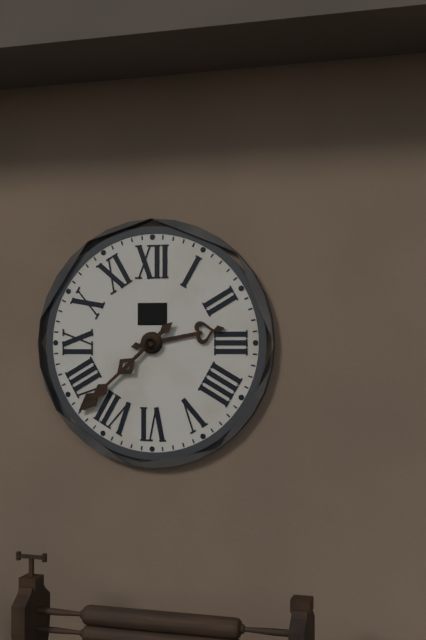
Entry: 2.38
